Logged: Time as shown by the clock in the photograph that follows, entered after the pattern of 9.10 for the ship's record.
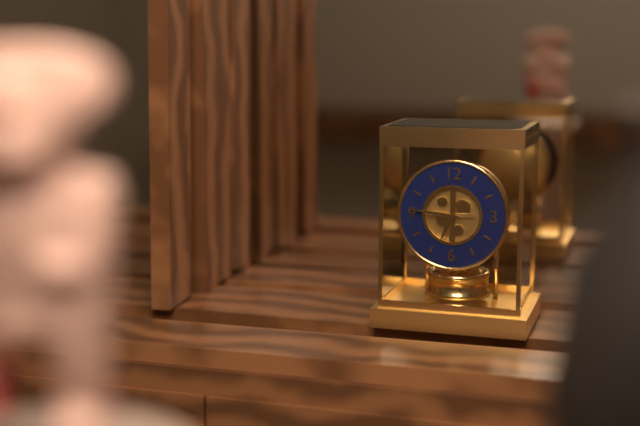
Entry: 6.46
